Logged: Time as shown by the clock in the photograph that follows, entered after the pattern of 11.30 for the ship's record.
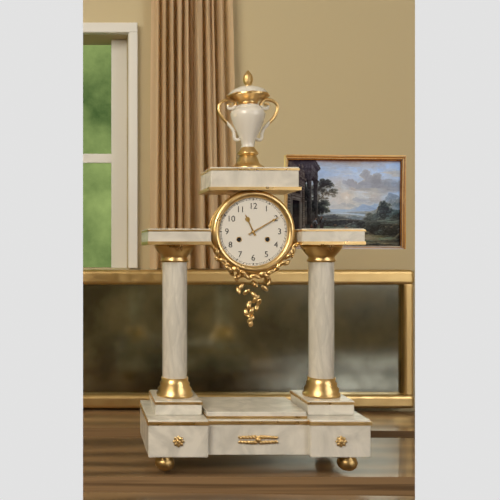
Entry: 11.10
